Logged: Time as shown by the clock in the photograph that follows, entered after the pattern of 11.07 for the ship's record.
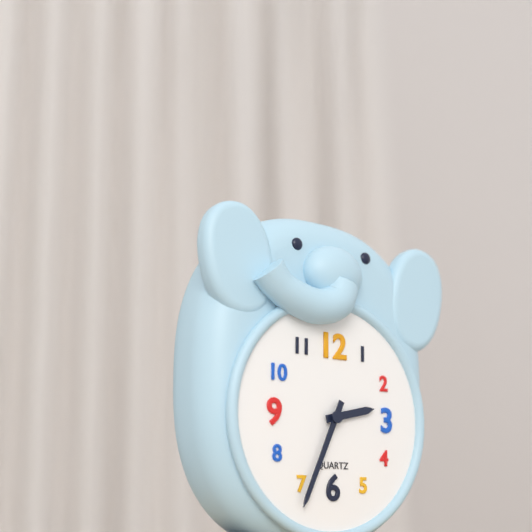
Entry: 2.34
